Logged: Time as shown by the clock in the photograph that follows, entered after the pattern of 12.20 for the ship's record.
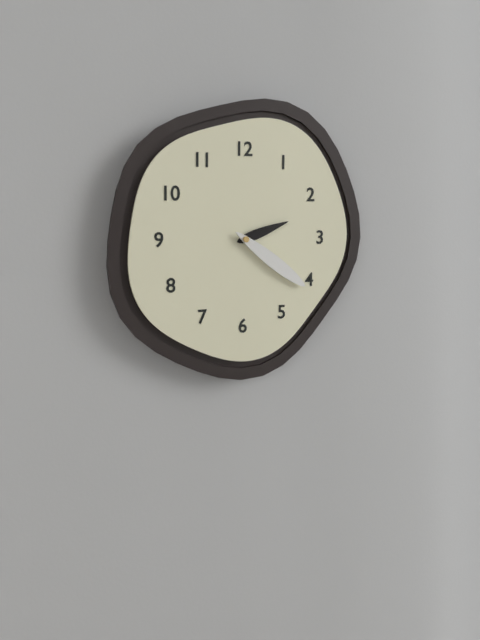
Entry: 2.21
